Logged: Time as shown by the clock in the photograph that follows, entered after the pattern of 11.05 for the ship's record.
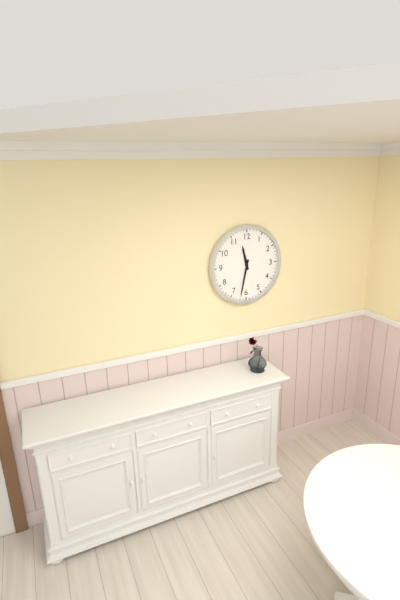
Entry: 11.32
